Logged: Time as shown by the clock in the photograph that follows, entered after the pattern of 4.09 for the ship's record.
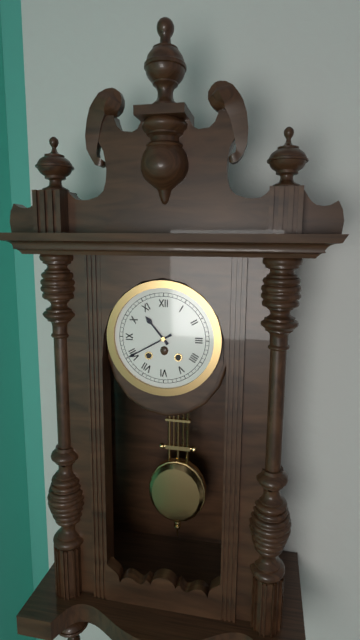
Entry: 10.40
